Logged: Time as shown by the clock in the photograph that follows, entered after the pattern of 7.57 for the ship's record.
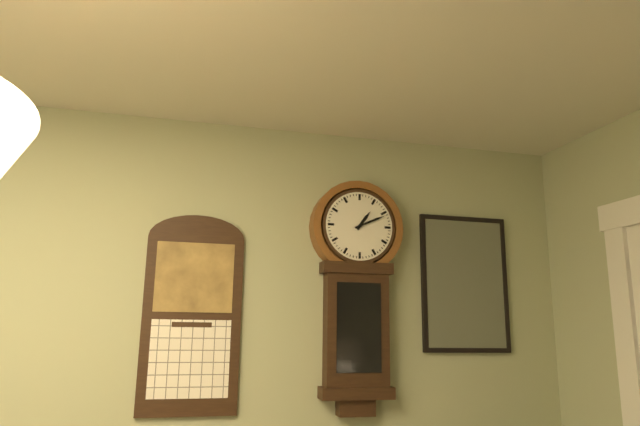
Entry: 1.11
